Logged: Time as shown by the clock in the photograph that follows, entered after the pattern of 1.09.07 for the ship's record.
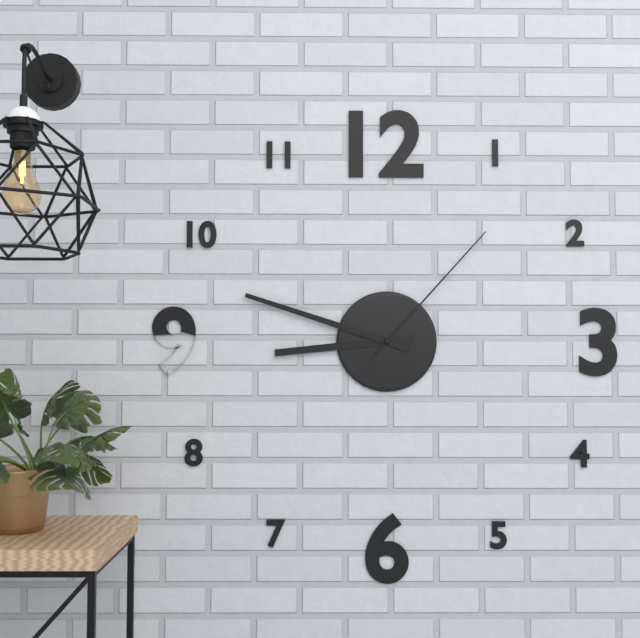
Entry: 8.48.07
